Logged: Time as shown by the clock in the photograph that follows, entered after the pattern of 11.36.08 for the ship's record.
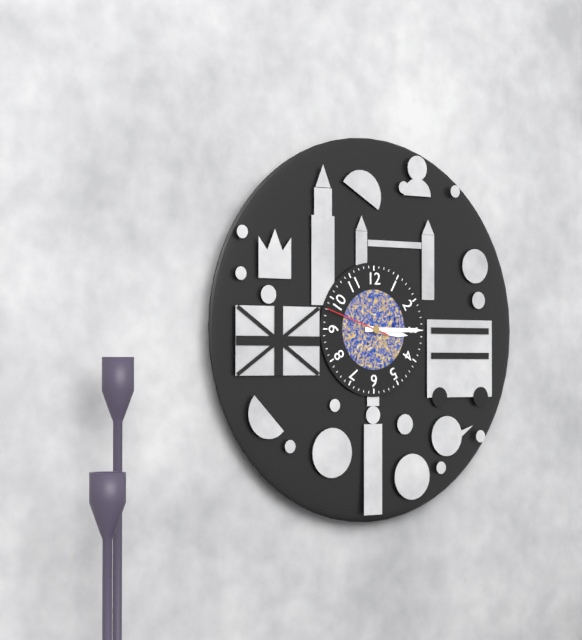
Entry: 3.15.48
